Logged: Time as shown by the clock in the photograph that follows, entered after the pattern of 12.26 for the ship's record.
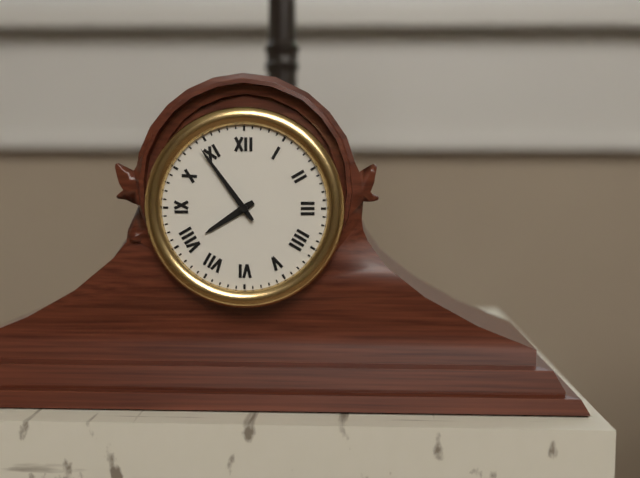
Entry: 7.54
